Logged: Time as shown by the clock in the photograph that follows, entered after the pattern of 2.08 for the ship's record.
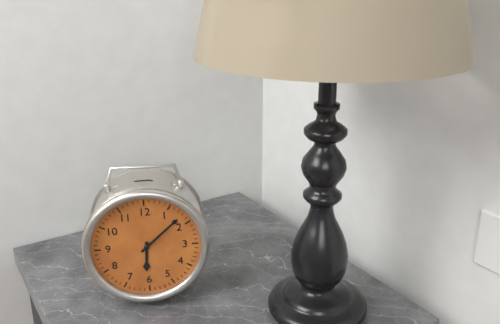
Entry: 6.08
